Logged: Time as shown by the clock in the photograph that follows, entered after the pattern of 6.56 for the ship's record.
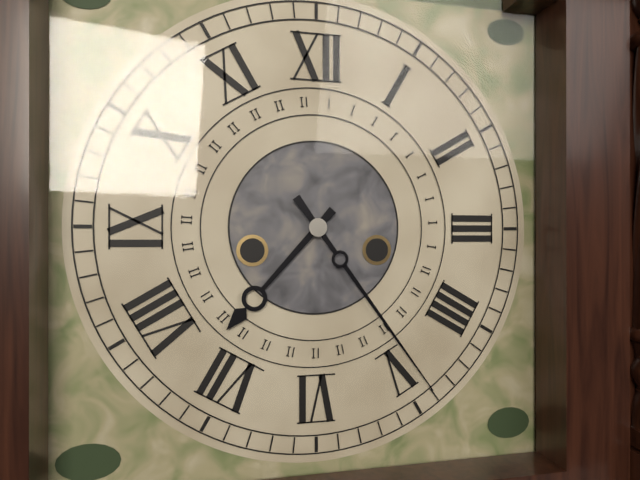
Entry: 7.24
